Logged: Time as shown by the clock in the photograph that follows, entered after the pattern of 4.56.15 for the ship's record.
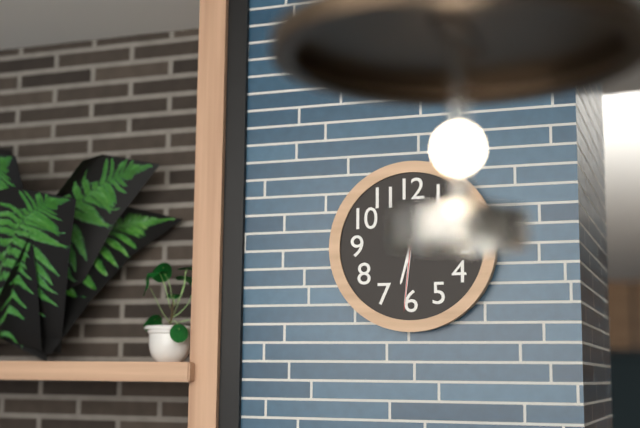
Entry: 6.31.31
